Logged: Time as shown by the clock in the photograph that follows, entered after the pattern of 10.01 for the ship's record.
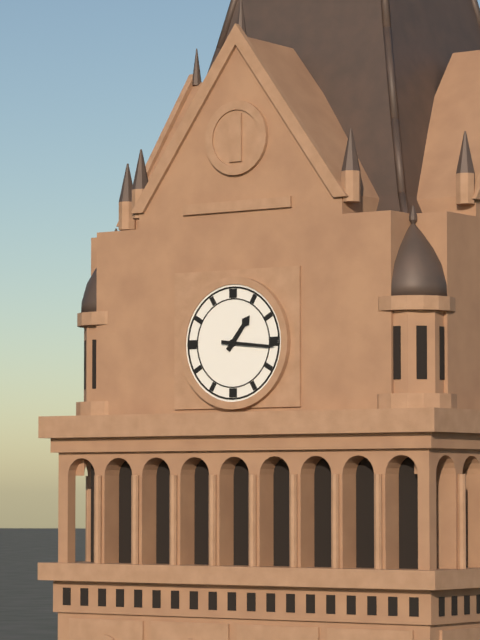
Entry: 1.16
